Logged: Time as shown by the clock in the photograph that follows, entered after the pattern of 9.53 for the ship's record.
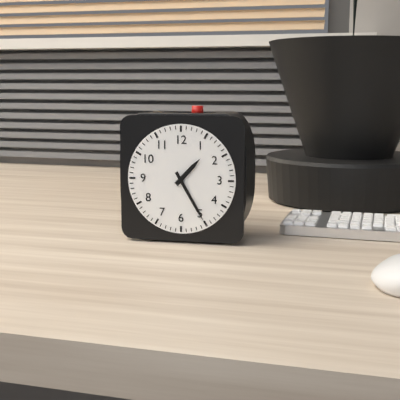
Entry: 1.25
